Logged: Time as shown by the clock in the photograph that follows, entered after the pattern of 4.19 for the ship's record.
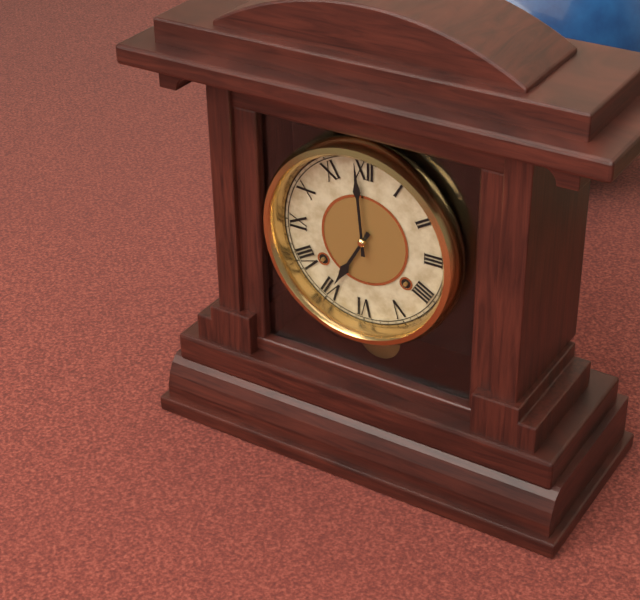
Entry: 6.59
